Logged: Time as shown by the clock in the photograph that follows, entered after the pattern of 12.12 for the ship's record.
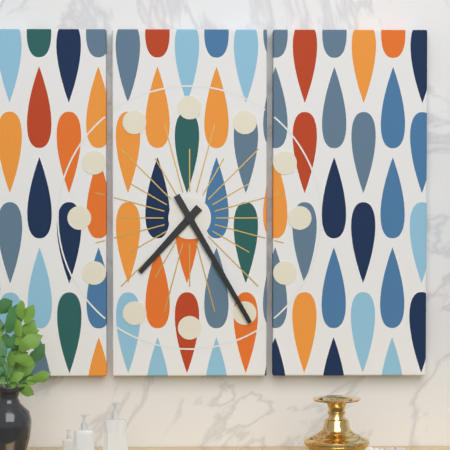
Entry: 7.25
